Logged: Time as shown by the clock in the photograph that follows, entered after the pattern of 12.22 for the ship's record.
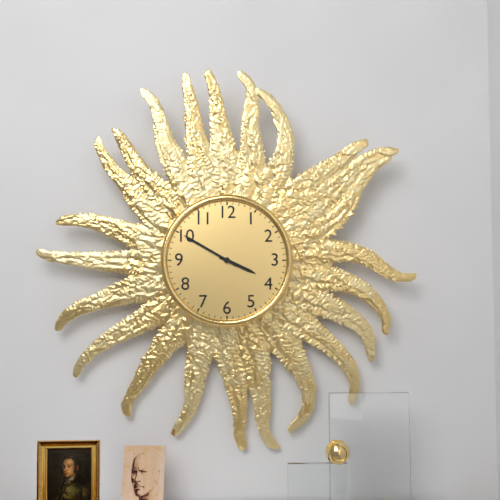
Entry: 3.50
